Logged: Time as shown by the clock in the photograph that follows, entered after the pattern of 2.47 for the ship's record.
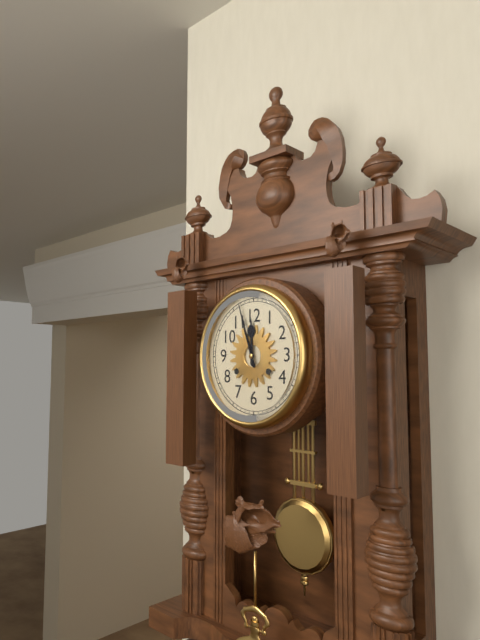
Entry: 11.57
